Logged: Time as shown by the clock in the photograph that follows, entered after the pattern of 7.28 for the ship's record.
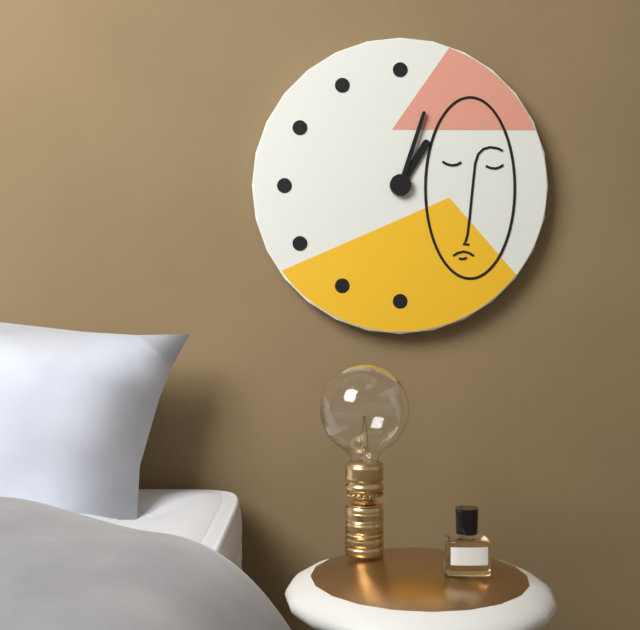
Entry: 1.03
